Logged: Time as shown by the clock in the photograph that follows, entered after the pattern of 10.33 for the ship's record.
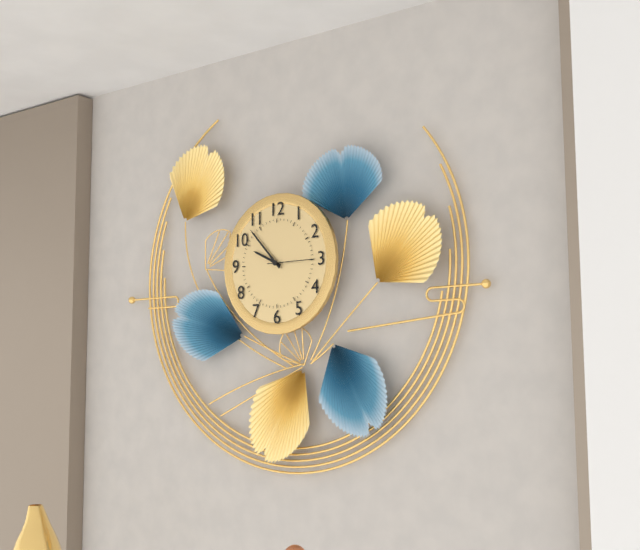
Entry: 9.53
